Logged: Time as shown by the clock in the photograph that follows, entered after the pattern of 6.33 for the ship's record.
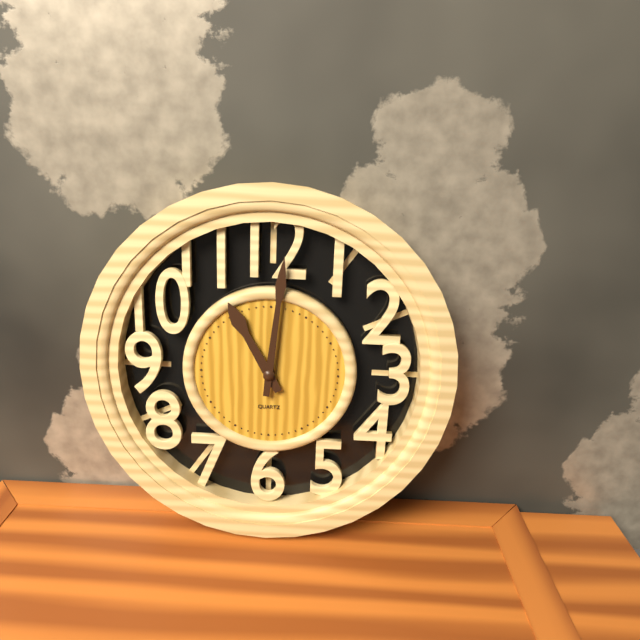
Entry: 11.01
